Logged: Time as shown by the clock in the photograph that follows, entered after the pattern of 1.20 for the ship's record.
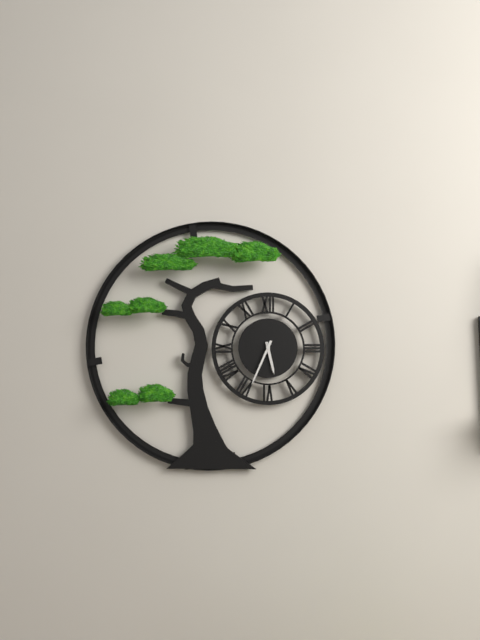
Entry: 5.34
